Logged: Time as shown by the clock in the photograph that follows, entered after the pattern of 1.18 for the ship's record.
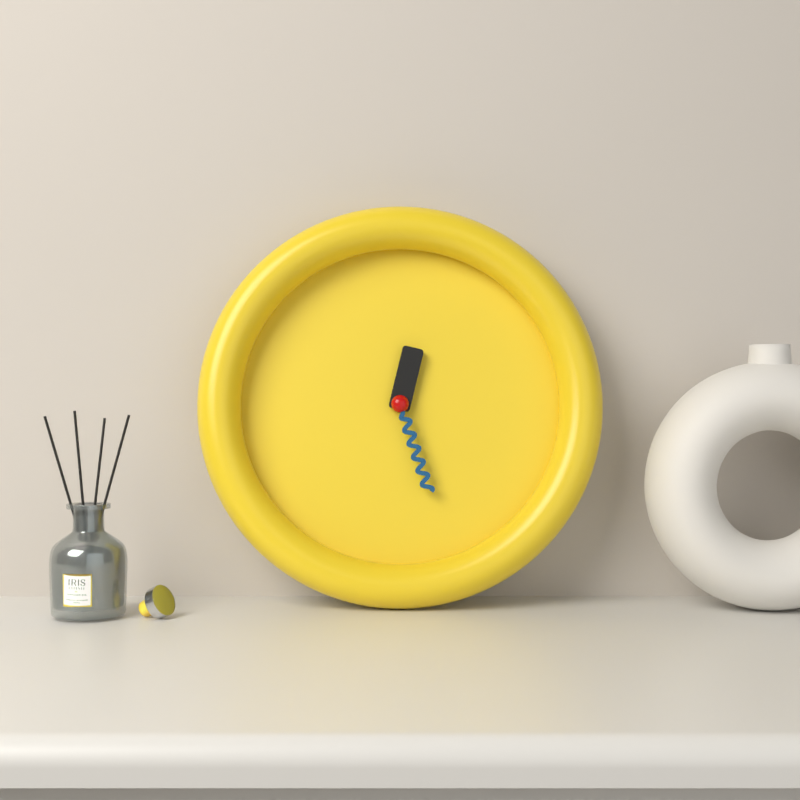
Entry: 12.27
